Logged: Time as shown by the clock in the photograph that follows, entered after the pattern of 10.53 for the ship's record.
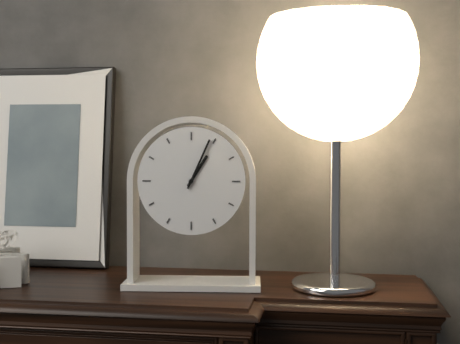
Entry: 1.04
